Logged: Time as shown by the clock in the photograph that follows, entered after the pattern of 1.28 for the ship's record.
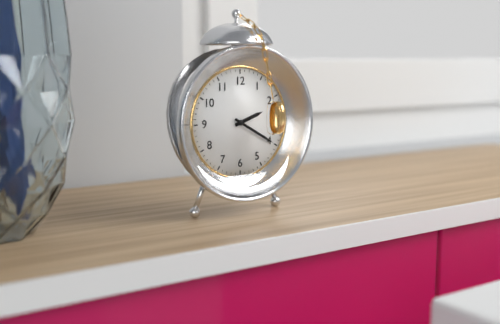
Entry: 2.20
